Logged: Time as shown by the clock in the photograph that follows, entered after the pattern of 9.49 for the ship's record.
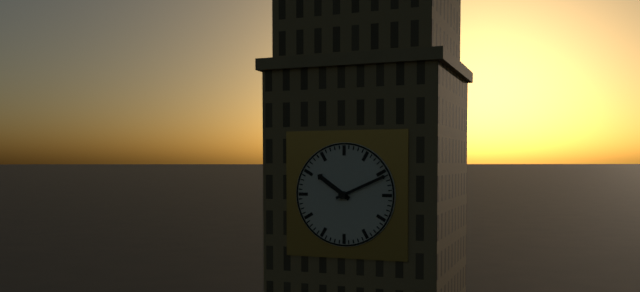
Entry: 10.11
